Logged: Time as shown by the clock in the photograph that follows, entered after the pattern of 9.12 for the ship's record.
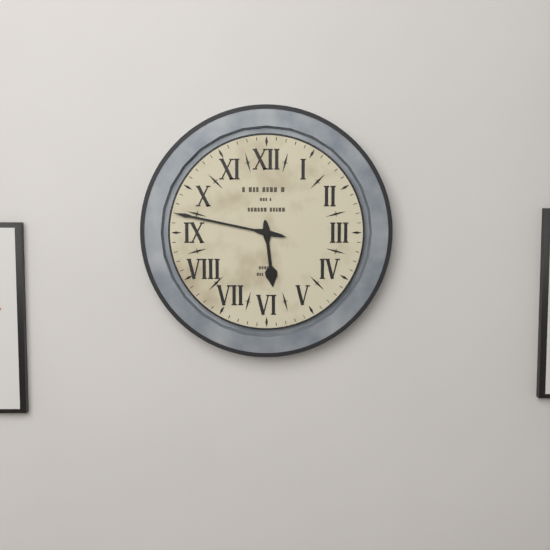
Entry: 5.47
